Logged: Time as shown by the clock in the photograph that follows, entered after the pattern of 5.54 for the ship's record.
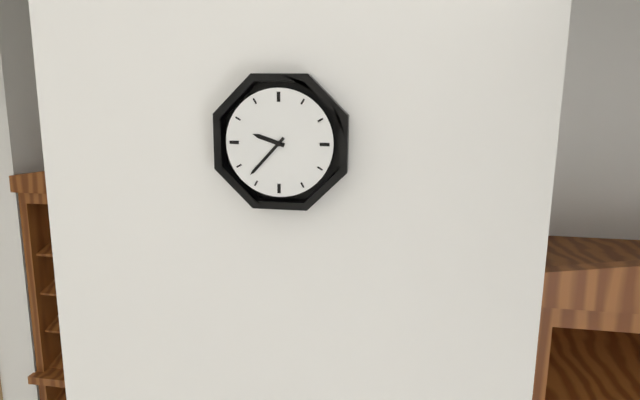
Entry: 9.37
